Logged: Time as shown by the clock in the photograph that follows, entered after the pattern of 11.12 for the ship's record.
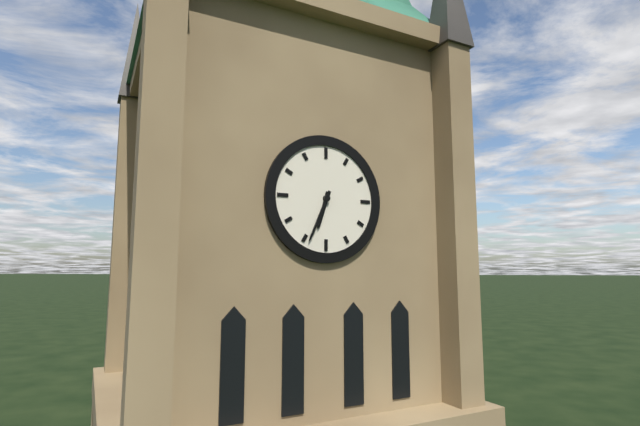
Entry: 6.34
